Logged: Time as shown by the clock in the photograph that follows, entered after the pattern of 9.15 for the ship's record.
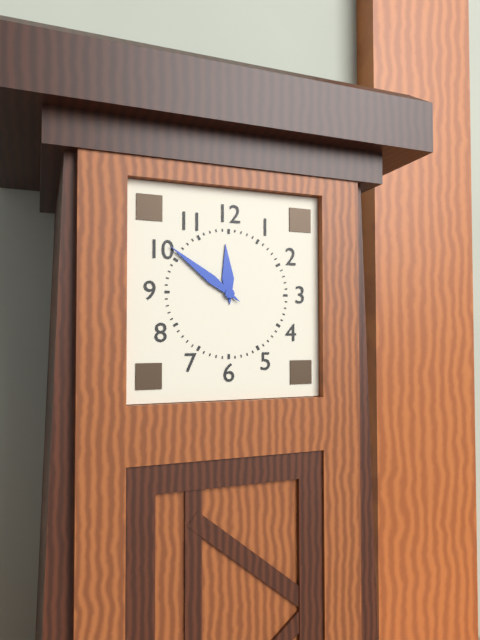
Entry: 11.51
